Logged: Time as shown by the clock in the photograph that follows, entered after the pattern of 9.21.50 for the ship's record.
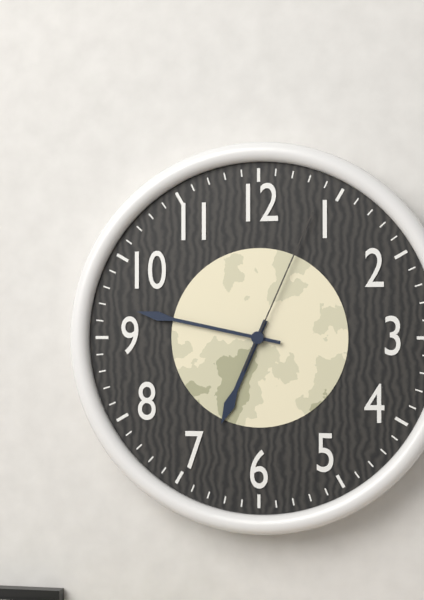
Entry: 6.47.04
